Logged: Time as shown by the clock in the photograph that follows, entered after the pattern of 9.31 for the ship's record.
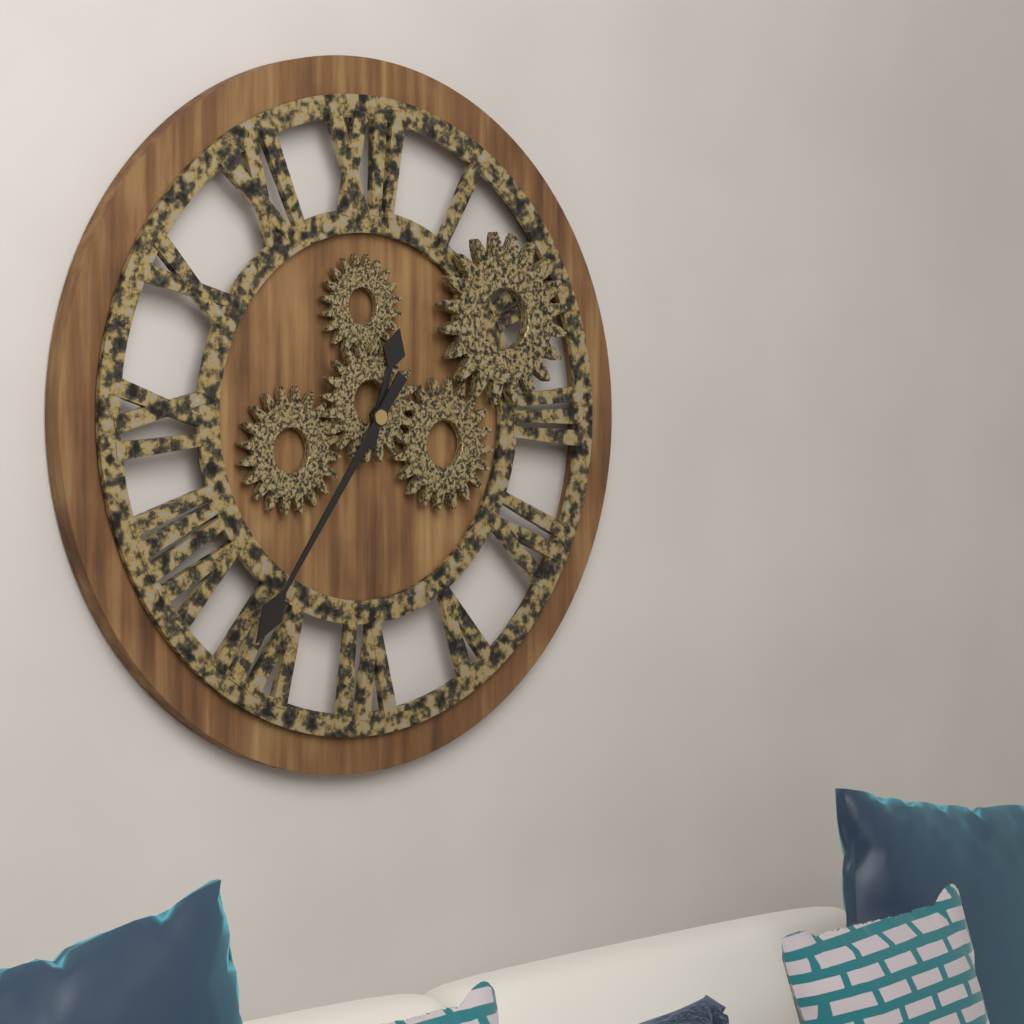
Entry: 12.36
